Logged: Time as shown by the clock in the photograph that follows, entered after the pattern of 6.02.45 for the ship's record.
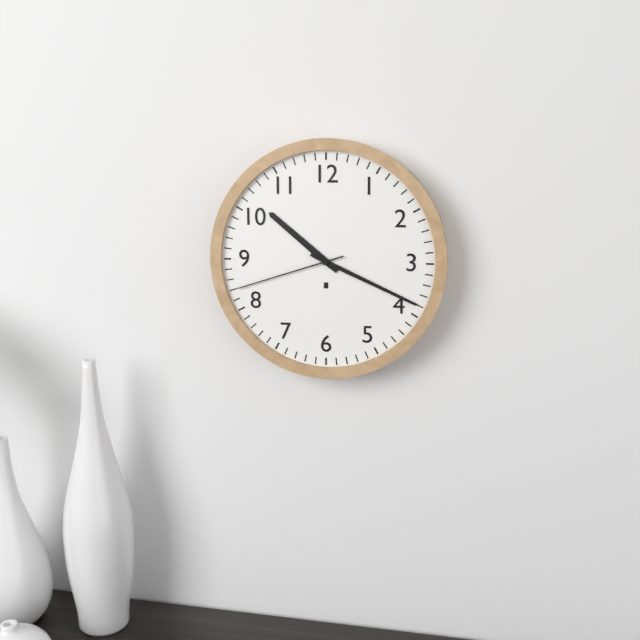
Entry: 10.19.42
